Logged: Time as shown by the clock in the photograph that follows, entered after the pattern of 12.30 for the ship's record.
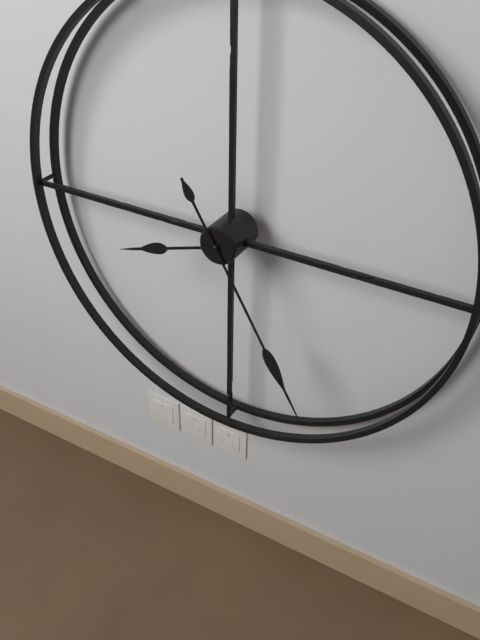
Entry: 8.25
